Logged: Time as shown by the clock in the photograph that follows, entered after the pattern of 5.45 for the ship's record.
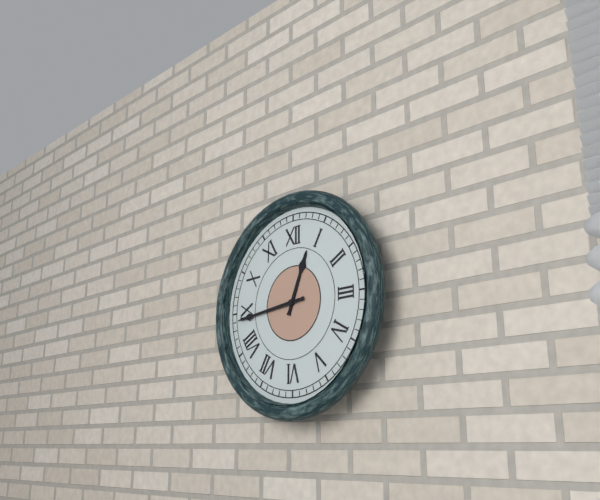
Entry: 12.44
